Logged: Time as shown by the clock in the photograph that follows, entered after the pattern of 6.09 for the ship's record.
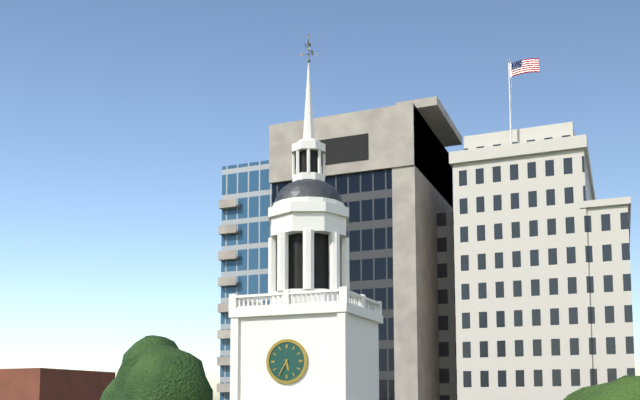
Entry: 5.35
